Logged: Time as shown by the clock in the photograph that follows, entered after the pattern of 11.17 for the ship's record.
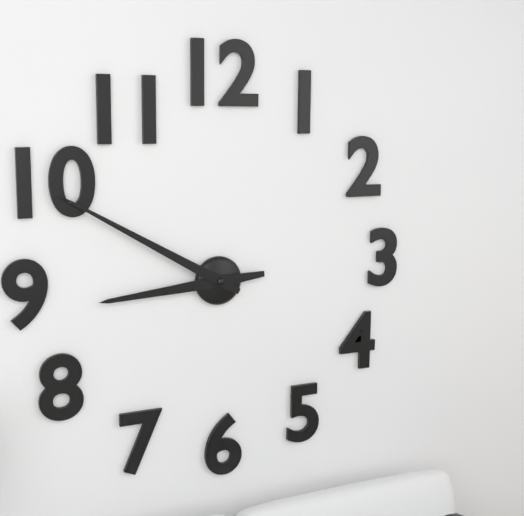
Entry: 8.50
